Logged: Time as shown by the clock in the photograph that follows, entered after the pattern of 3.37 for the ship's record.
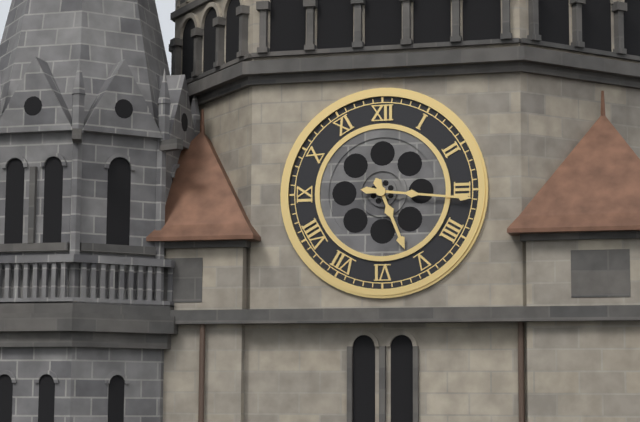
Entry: 5.16
